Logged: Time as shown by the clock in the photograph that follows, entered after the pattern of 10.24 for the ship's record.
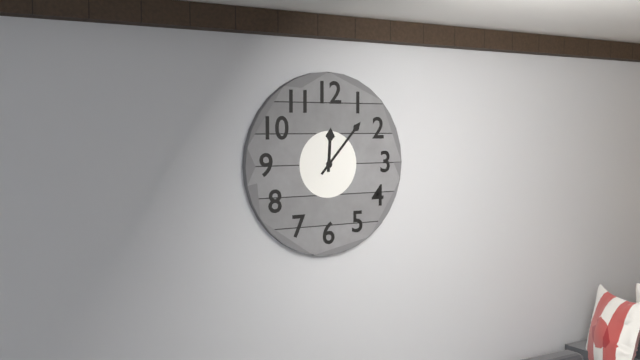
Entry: 12.07
